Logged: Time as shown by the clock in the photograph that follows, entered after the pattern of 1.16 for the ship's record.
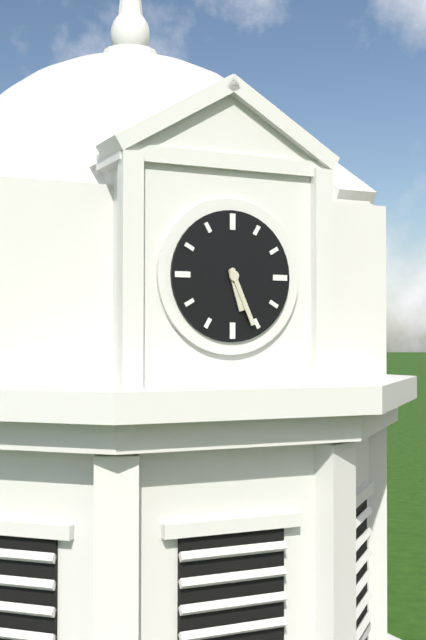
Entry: 5.26
